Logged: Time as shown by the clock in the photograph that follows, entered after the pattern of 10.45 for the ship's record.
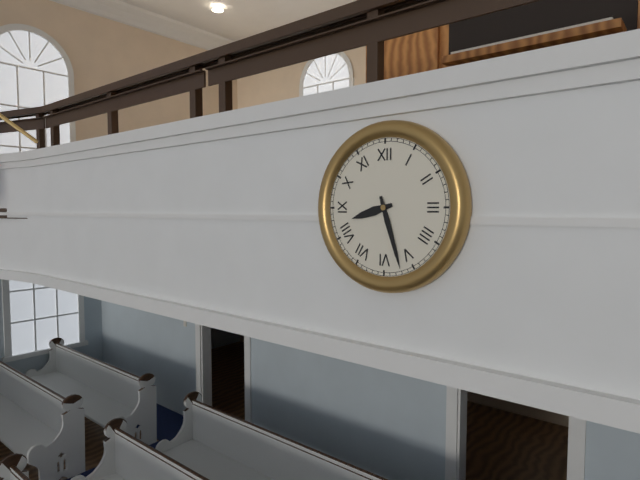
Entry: 8.27
